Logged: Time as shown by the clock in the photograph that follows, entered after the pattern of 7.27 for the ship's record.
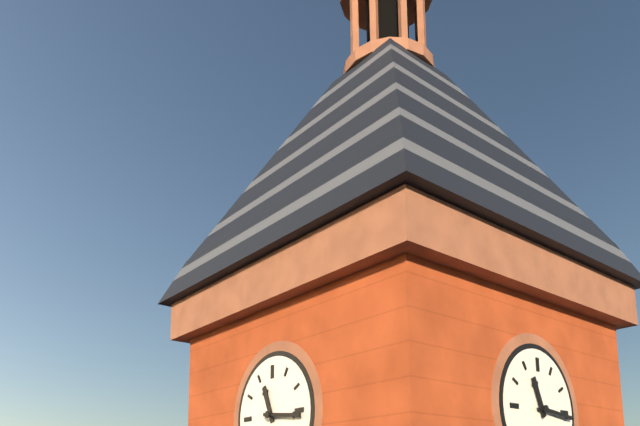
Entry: 11.16
